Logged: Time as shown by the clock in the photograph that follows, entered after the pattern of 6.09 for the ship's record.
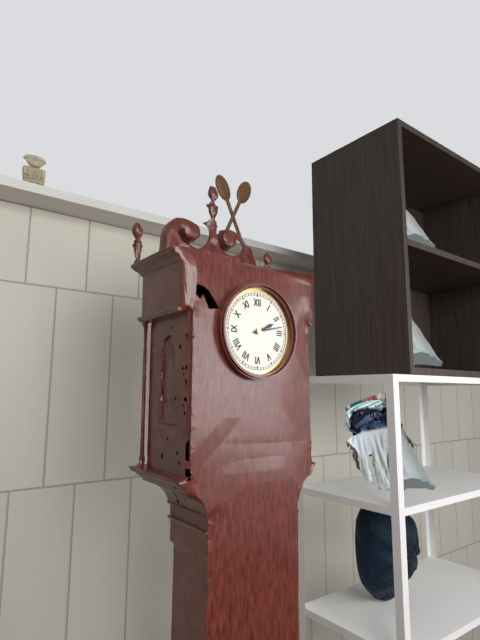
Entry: 2.13
